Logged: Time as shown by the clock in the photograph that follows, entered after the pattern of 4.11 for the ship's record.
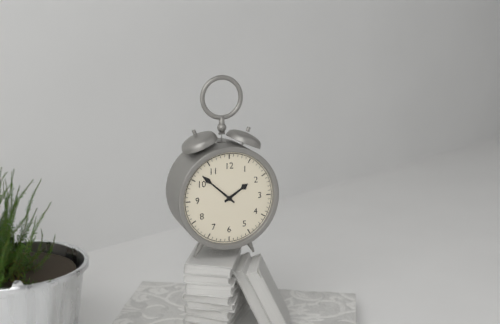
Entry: 1.52
